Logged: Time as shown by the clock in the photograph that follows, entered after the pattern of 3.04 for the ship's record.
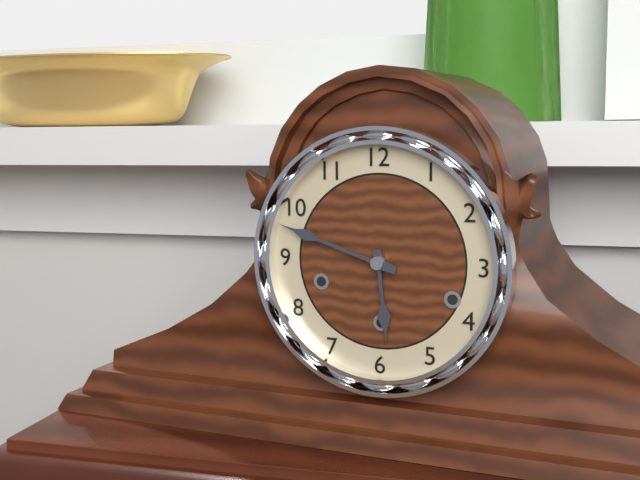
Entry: 5.48
